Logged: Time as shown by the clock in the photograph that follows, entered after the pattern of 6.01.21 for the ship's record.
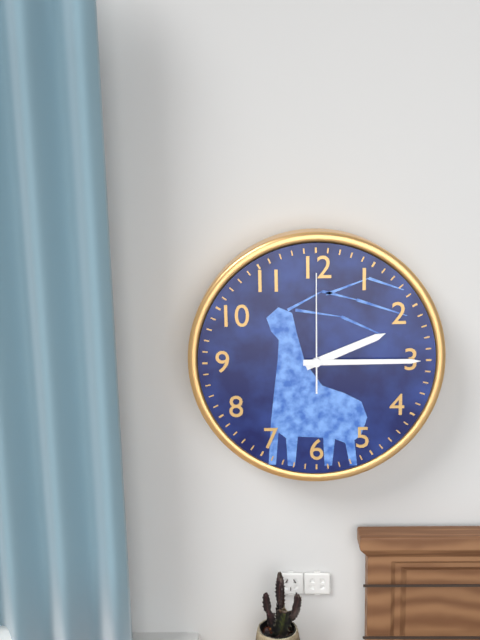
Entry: 2.15.00
